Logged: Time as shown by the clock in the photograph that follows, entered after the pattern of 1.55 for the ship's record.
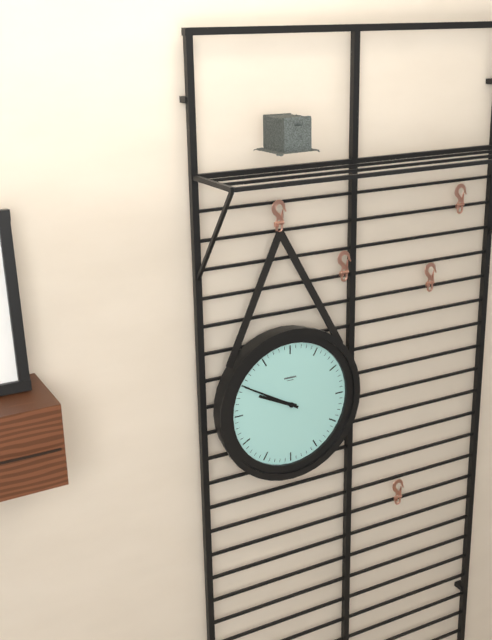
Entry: 9.50
